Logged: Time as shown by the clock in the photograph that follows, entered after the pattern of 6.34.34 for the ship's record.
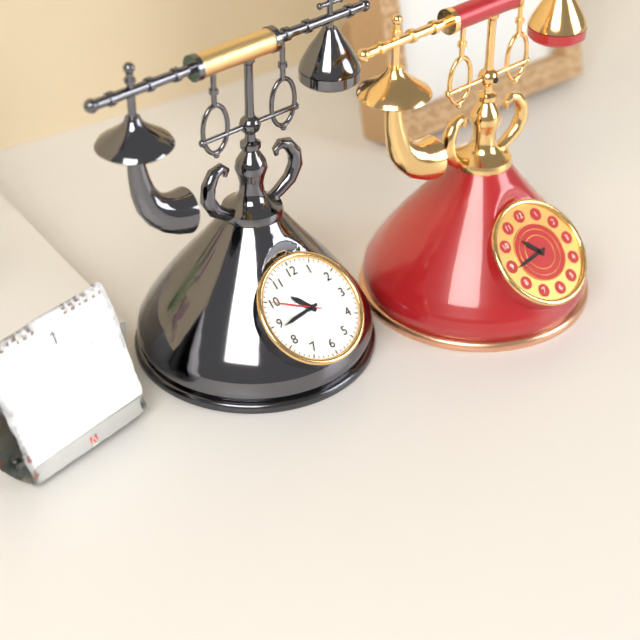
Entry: 10.44.50
